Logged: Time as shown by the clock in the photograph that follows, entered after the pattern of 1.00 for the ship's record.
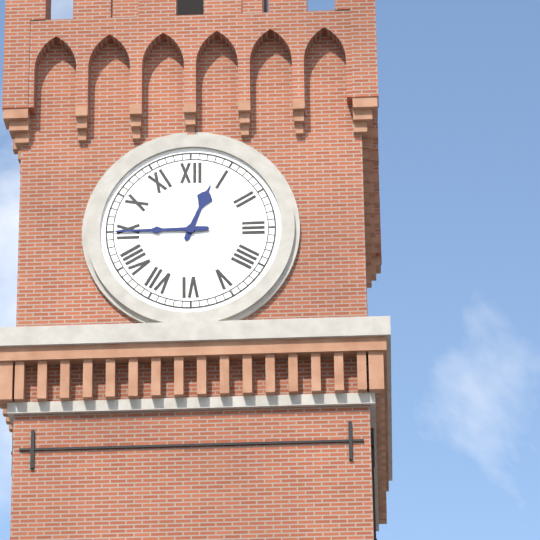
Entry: 12.45
